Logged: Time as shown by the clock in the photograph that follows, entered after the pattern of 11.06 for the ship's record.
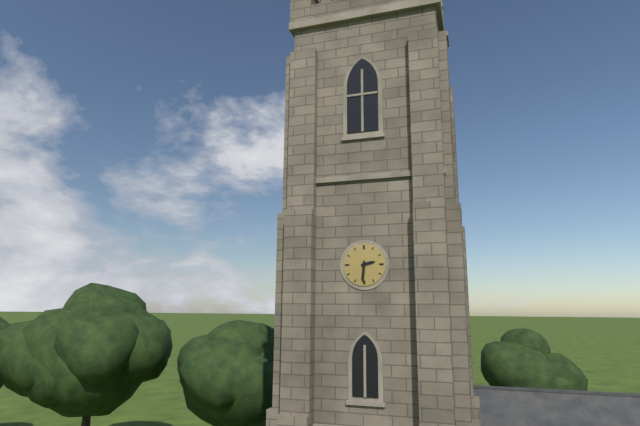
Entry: 2.31
